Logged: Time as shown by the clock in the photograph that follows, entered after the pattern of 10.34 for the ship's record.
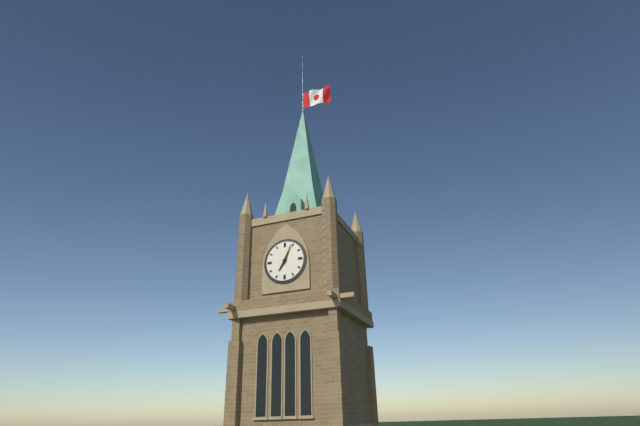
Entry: 7.04
